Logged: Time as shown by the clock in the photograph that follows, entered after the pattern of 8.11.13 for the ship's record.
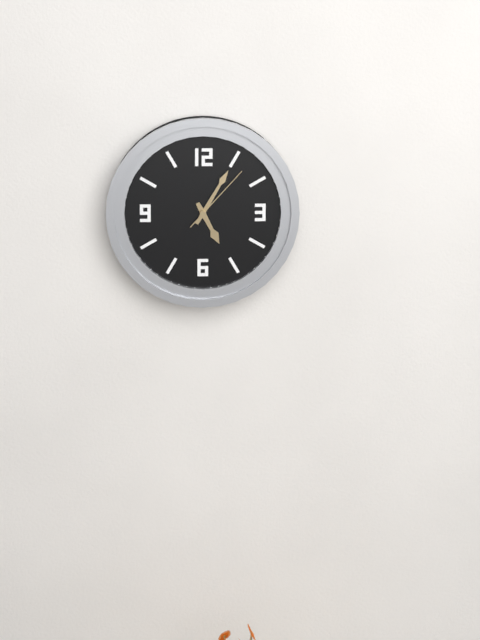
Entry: 5.05.07
